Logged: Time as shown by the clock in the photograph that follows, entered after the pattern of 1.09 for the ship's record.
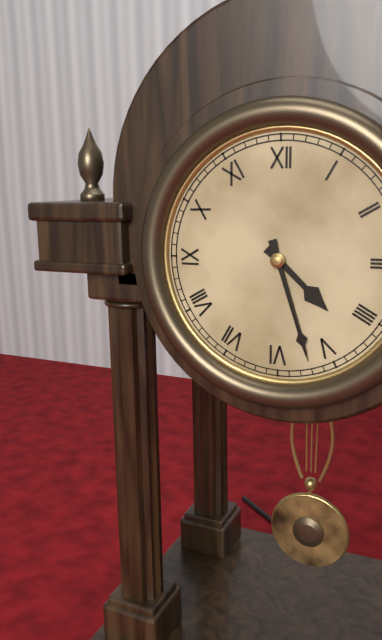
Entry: 4.27
